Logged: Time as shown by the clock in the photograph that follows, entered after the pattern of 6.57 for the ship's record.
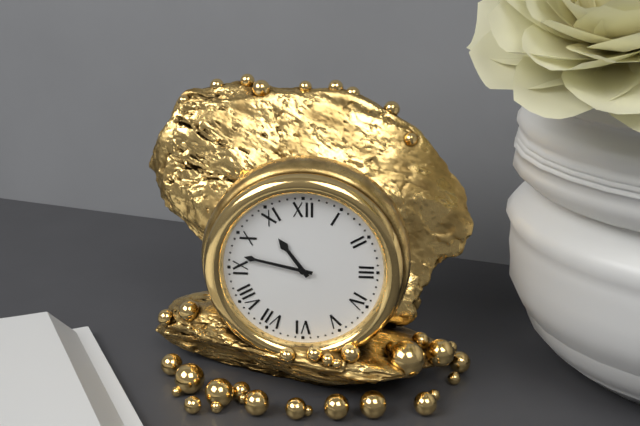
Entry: 10.47
